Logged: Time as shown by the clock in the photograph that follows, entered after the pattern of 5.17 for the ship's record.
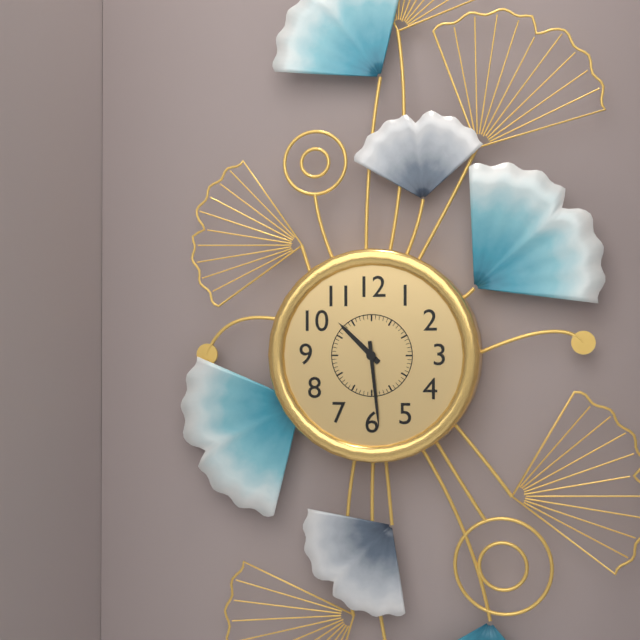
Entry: 10.29
